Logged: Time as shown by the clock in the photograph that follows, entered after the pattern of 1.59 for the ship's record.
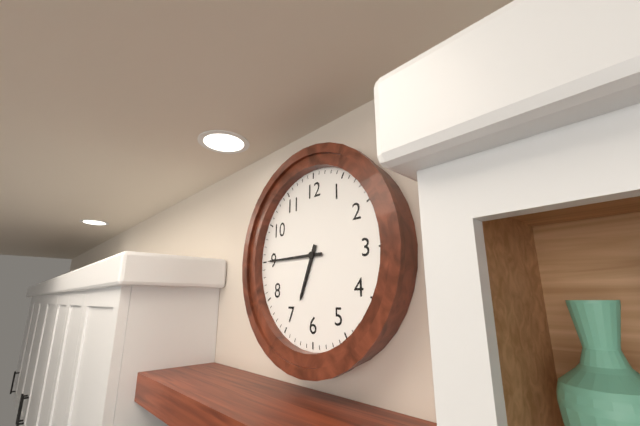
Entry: 6.45
